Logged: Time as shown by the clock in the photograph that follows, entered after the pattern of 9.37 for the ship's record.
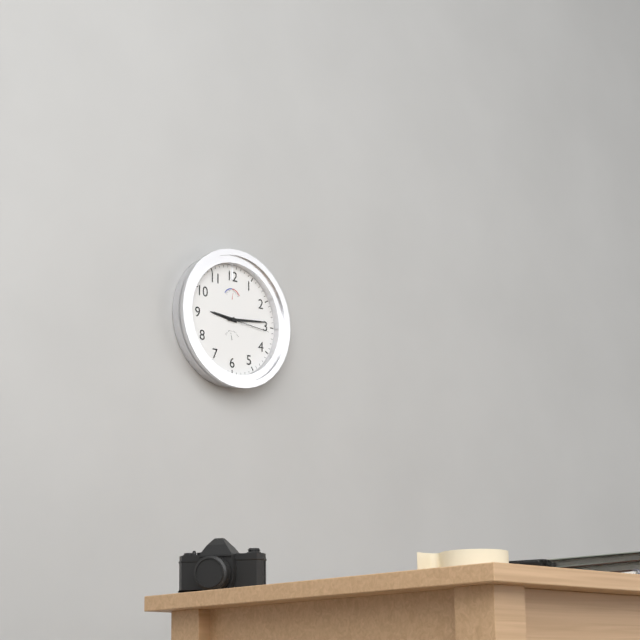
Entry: 9.14
